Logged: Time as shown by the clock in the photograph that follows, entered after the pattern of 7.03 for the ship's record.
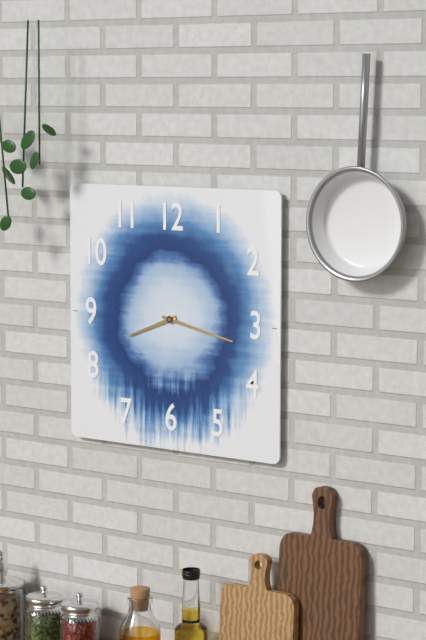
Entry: 8.17
